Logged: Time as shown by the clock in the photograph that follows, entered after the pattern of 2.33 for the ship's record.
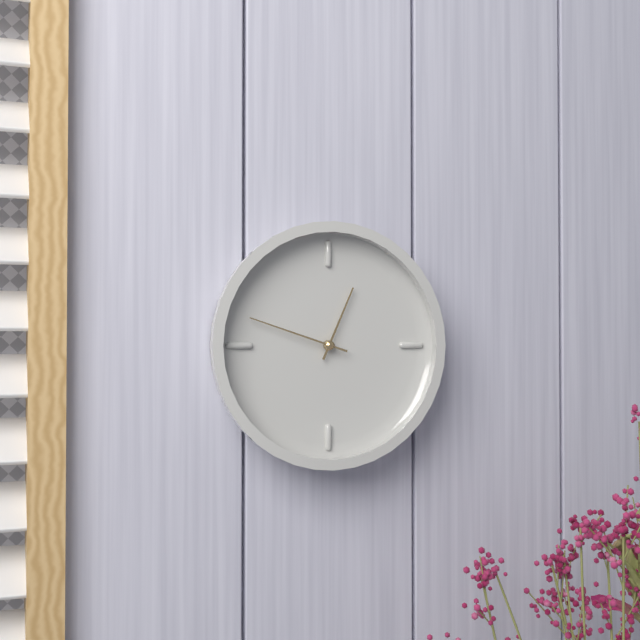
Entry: 12.48
